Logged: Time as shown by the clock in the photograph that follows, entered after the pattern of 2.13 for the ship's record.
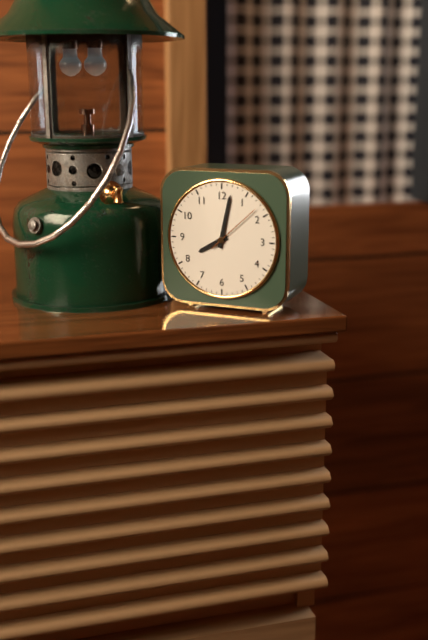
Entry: 8.02
